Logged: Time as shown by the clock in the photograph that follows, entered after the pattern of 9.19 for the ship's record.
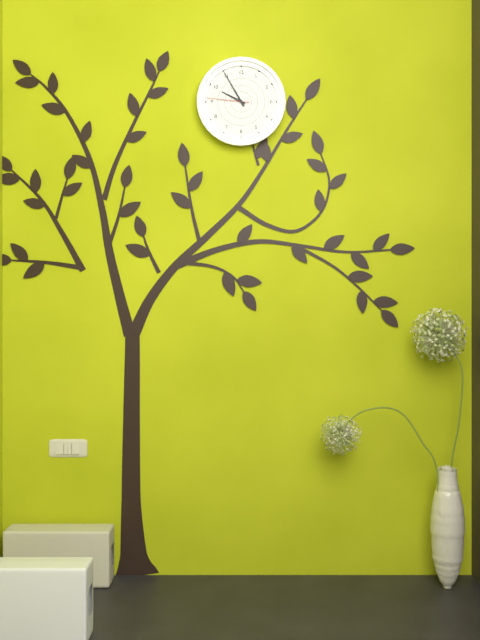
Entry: 9.55
